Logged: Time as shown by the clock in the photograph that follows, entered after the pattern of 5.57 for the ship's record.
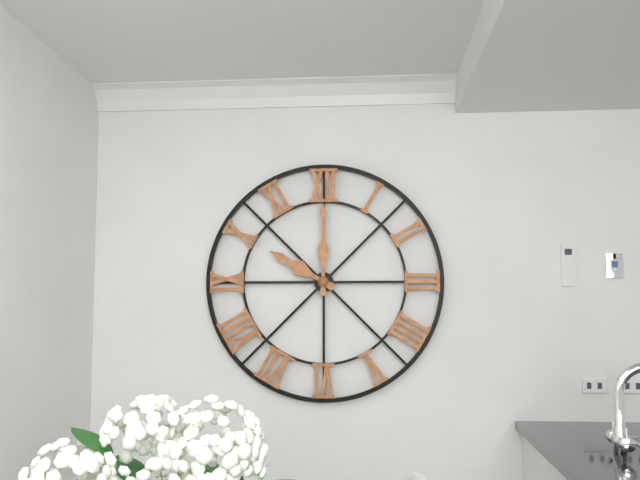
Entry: 10.00
